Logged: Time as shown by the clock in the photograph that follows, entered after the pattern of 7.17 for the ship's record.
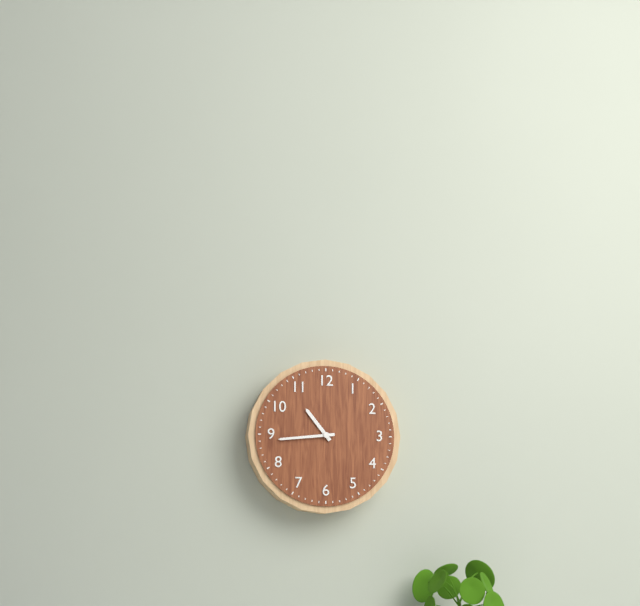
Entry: 10.44
